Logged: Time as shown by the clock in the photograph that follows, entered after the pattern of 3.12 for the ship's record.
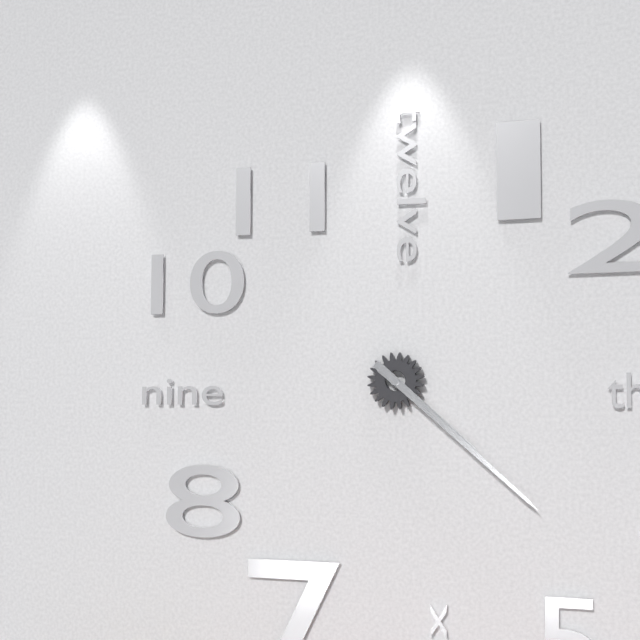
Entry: 4.22
